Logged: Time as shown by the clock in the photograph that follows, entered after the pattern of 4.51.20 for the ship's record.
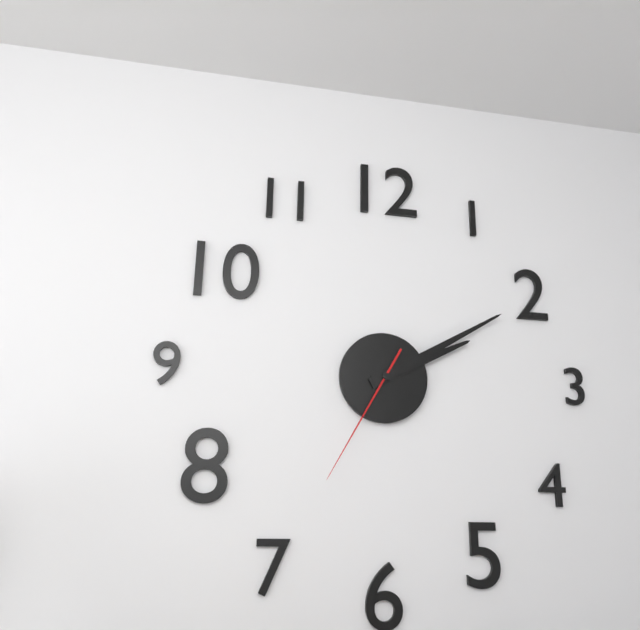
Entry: 2.10.35
